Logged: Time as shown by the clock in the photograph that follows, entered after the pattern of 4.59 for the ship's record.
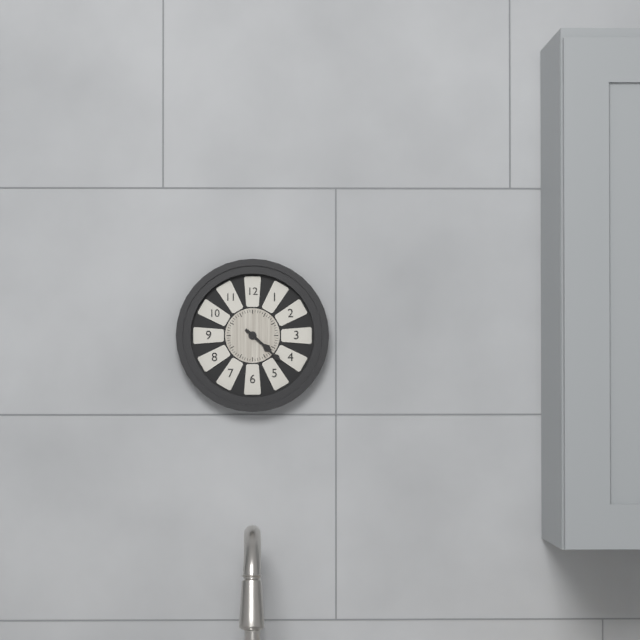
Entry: 4.22
